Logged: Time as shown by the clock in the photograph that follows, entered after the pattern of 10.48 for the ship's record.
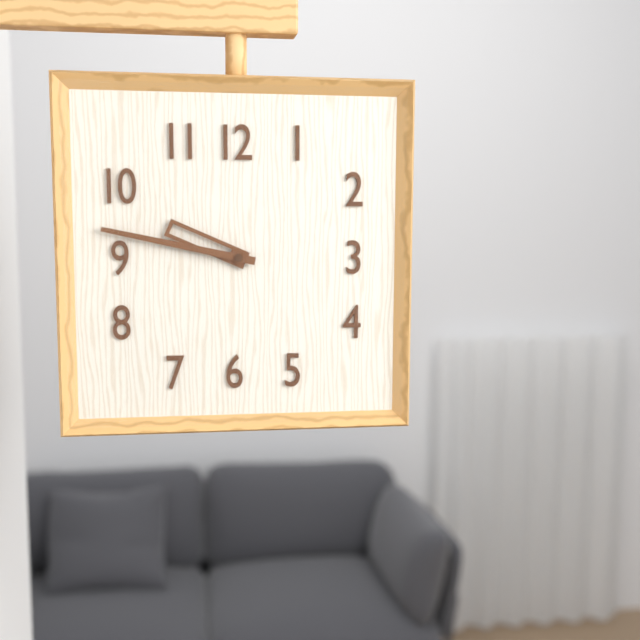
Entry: 9.47
